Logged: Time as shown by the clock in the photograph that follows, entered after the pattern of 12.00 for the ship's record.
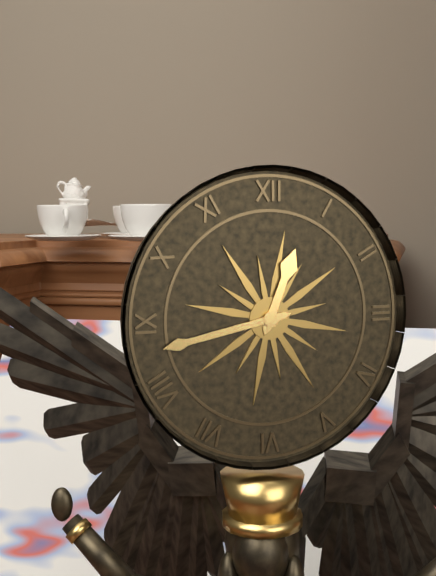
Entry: 12.43
